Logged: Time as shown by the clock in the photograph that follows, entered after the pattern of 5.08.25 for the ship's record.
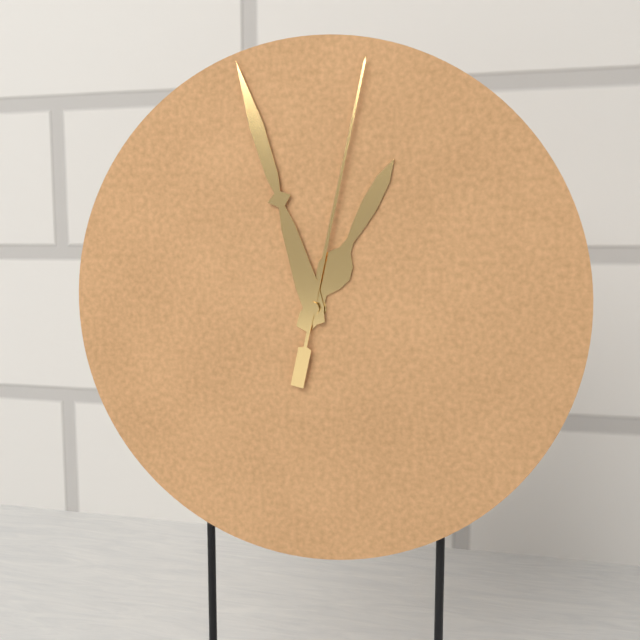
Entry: 12.57.02
